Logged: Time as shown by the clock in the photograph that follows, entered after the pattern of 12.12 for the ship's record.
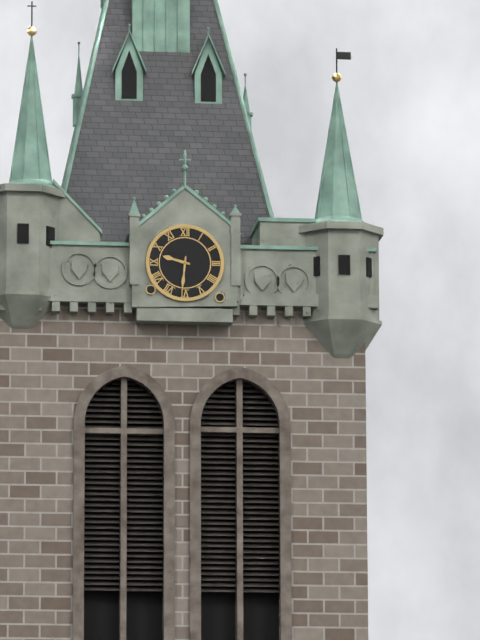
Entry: 9.31
